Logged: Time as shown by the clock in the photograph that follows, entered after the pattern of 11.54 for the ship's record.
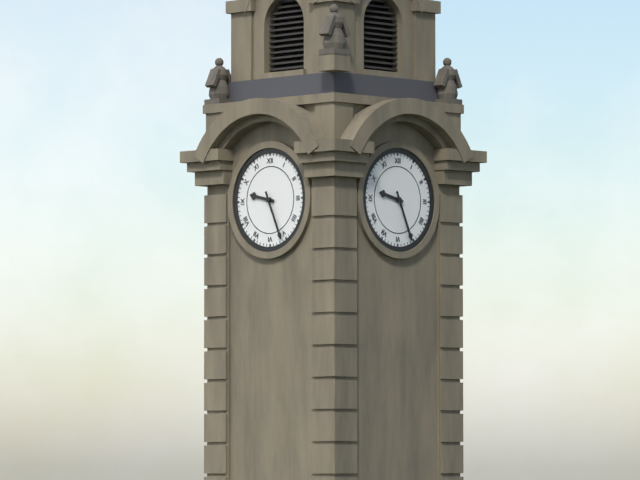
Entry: 9.26
